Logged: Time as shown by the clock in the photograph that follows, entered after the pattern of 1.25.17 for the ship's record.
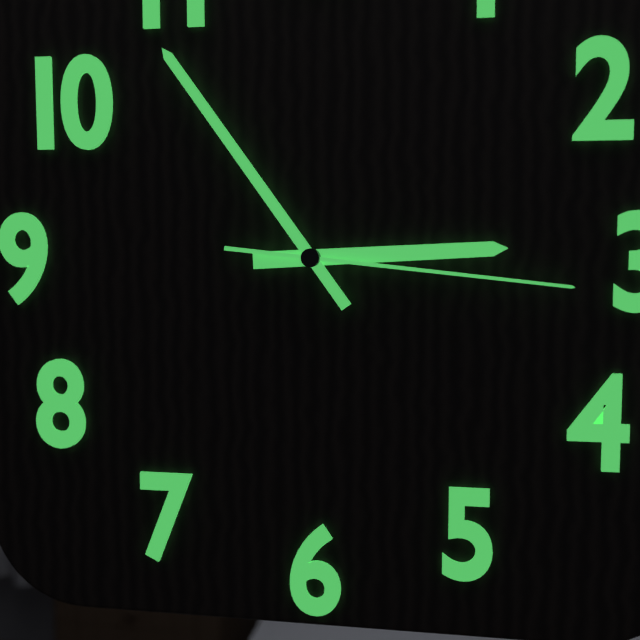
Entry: 2.54.16
